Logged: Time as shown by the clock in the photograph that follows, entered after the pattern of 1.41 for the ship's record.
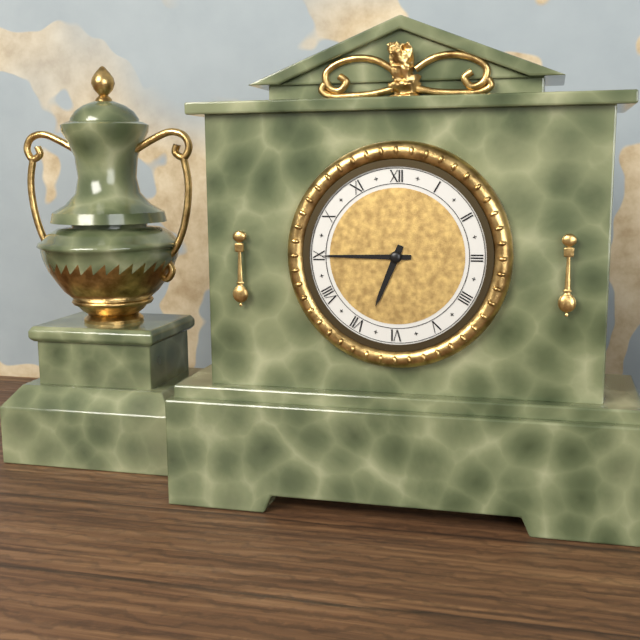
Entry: 6.45
